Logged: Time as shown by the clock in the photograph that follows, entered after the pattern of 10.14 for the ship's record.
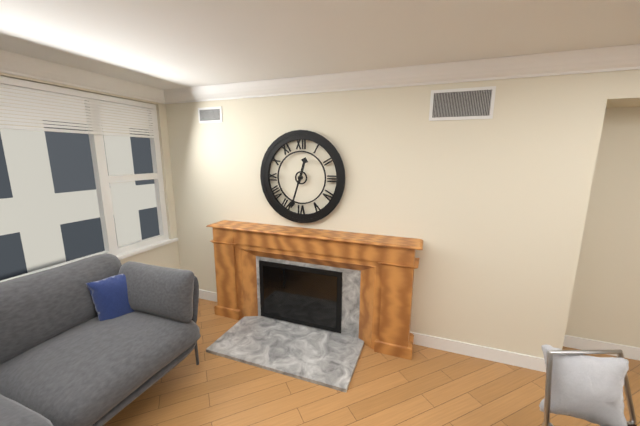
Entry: 12.33
